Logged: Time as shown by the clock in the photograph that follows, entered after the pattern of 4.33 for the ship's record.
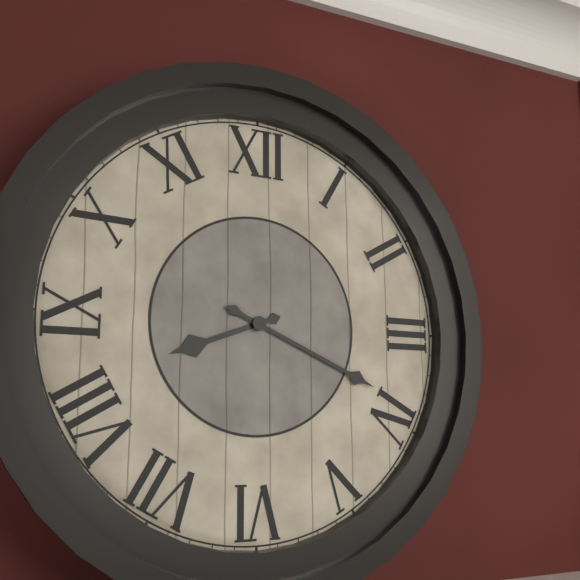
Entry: 8.19
